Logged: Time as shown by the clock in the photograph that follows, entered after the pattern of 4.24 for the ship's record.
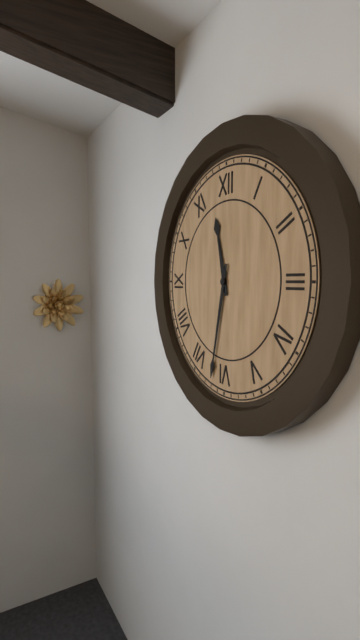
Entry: 11.32
